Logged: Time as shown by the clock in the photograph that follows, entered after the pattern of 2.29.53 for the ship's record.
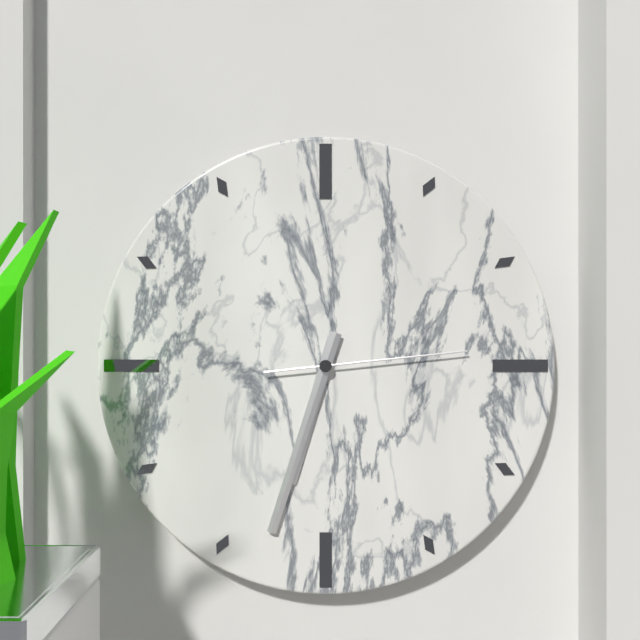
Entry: 6.33.14
